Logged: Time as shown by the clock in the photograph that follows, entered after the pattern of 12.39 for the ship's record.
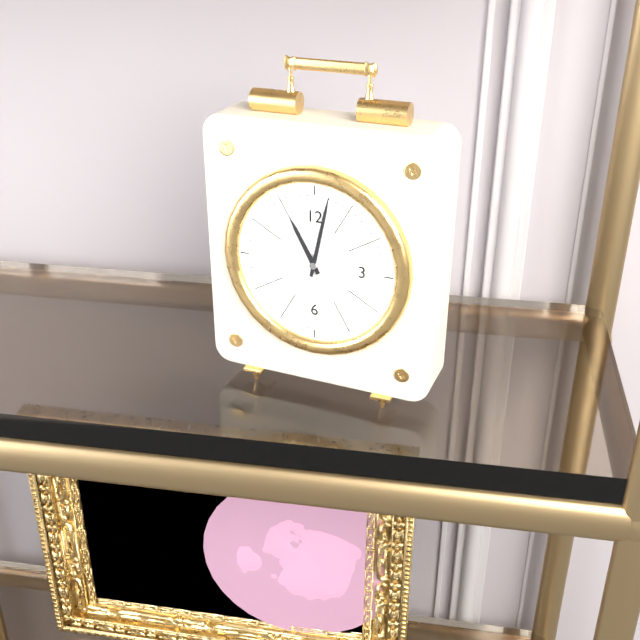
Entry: 11.02
